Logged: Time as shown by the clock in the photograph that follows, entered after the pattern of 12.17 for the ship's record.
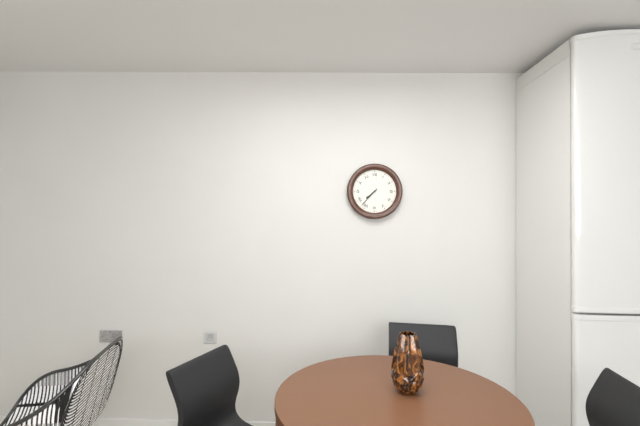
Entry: 7.37
